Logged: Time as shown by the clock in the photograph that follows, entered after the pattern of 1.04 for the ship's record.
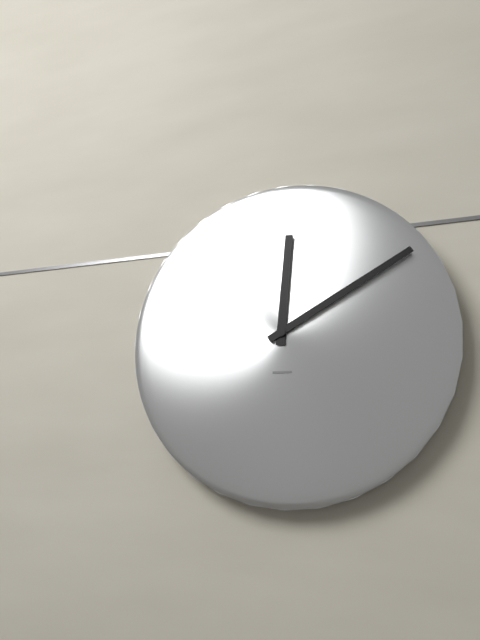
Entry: 12.10
